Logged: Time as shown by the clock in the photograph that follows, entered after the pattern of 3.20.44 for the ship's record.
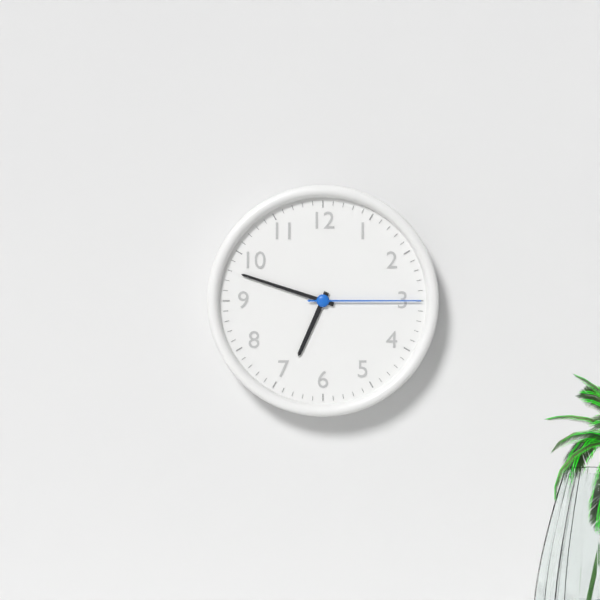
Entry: 6.48.15
